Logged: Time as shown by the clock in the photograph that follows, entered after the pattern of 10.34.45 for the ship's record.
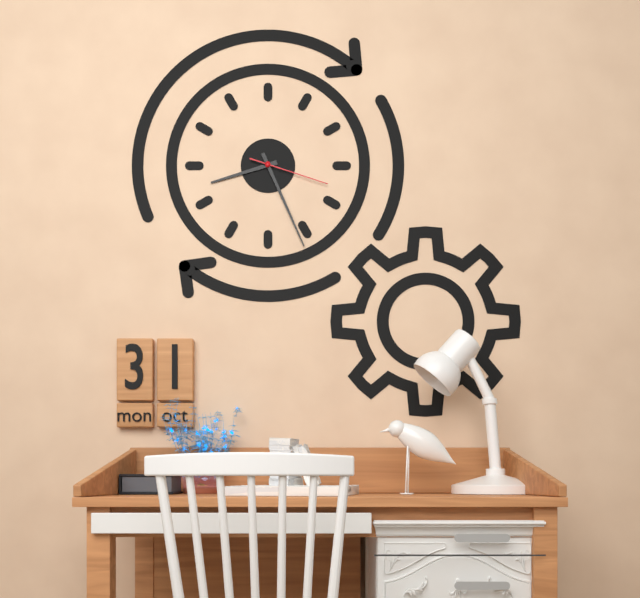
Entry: 8.26.18
